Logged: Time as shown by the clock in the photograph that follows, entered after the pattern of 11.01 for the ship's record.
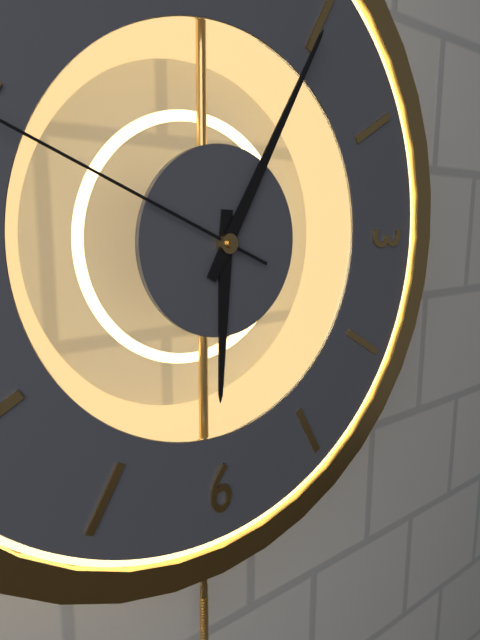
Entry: 6.05
